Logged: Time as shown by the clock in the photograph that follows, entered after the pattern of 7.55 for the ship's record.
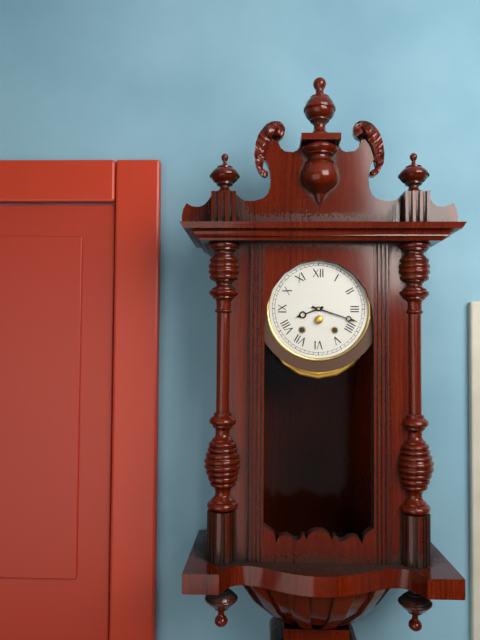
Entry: 8.18
